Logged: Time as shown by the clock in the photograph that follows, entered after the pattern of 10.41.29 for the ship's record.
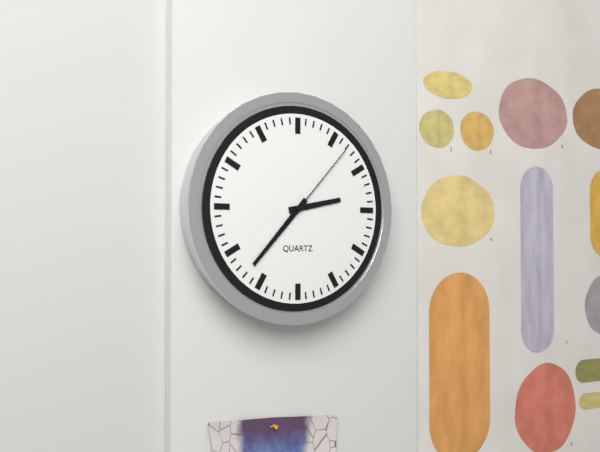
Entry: 2.37.07
